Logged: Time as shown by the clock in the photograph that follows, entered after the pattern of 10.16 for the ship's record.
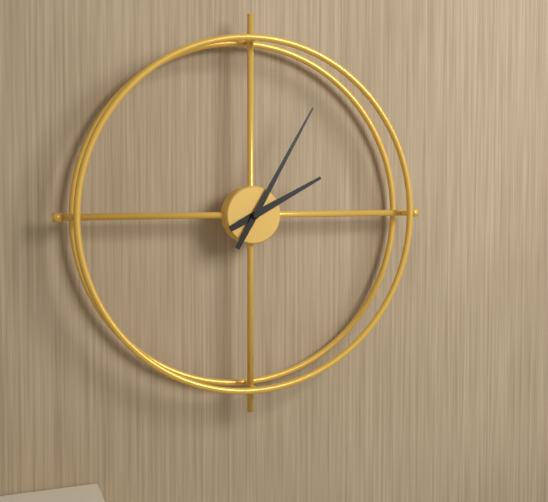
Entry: 2.05
